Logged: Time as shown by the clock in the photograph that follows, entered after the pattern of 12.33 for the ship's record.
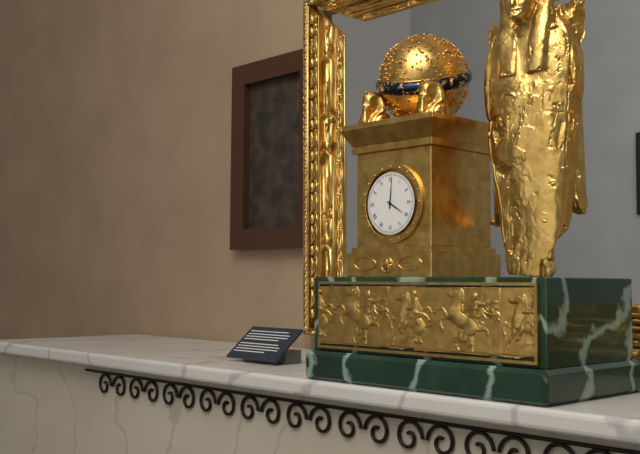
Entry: 4.01
